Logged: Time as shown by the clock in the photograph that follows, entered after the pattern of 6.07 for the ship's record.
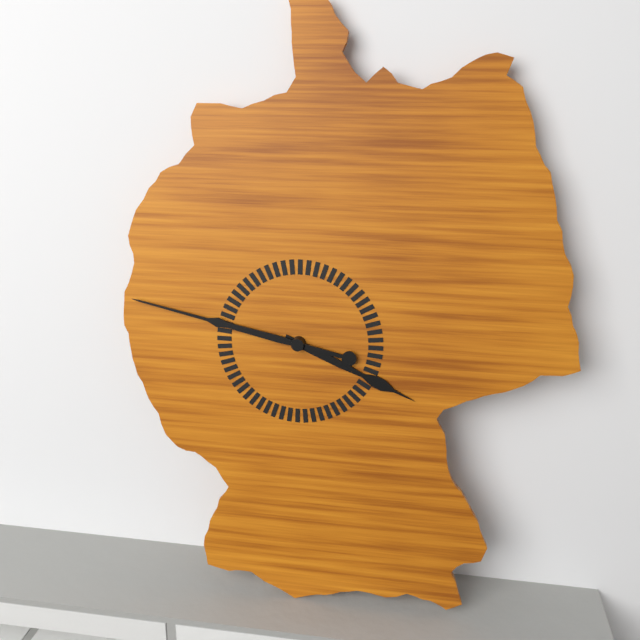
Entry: 3.47
